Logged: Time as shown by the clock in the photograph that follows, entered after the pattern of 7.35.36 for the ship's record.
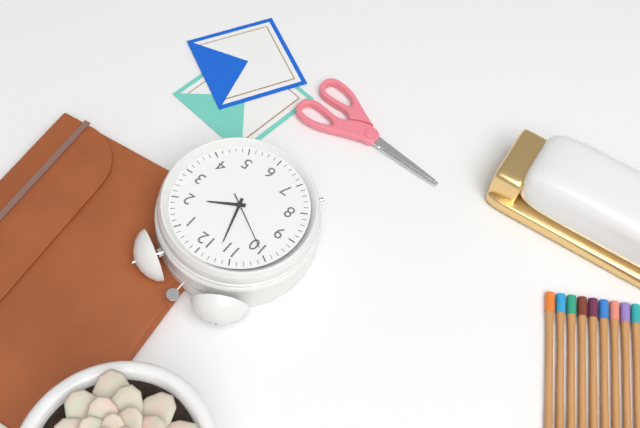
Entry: 1.57.50
